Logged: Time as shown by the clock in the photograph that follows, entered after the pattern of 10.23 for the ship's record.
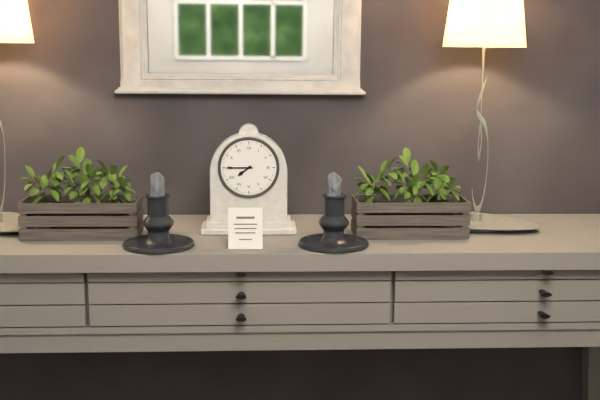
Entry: 7.45
